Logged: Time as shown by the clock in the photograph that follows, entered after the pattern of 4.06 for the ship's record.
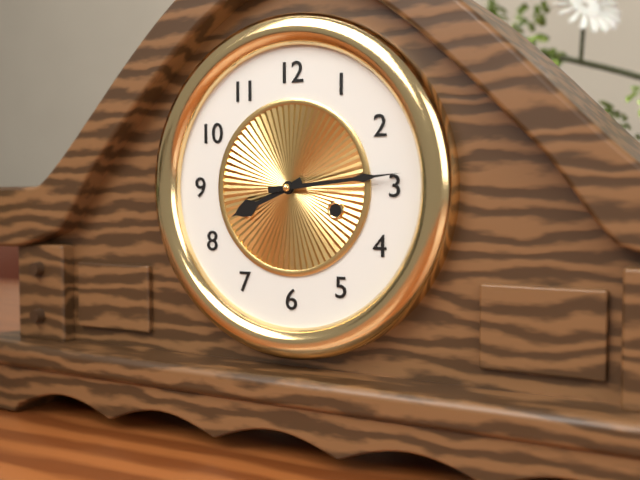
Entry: 8.14
